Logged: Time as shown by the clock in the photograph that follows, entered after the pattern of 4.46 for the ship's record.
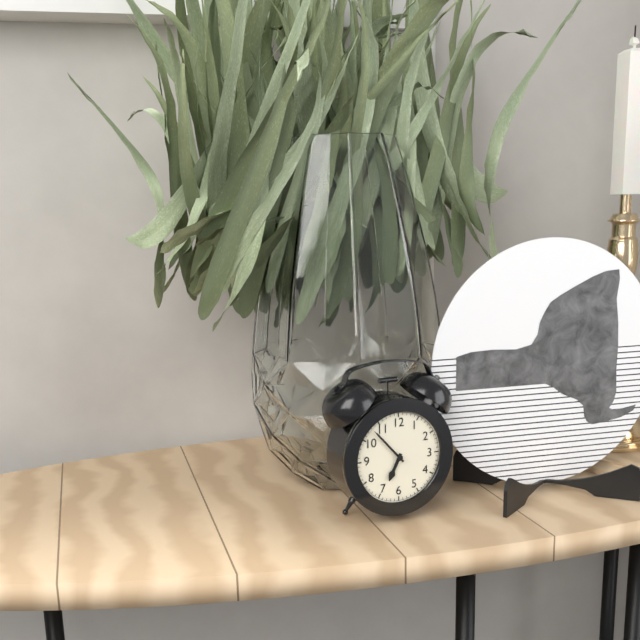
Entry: 6.53
